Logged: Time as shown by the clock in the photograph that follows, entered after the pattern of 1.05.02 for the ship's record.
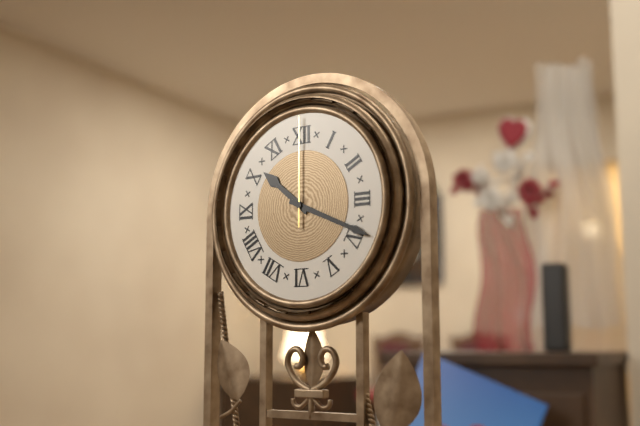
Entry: 10.19.00
